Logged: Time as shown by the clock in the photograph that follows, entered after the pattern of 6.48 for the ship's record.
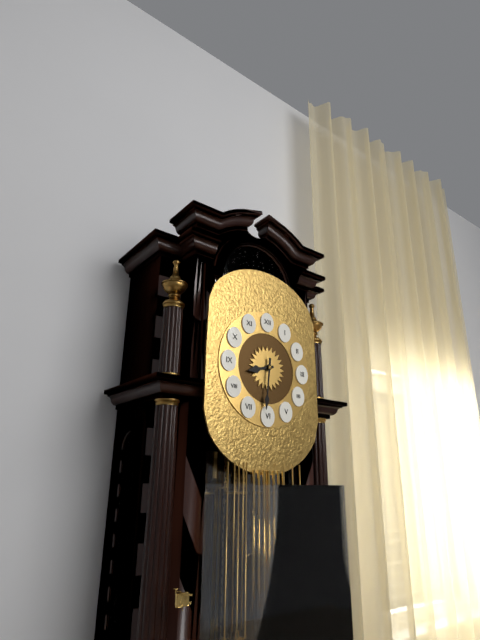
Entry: 8.31
